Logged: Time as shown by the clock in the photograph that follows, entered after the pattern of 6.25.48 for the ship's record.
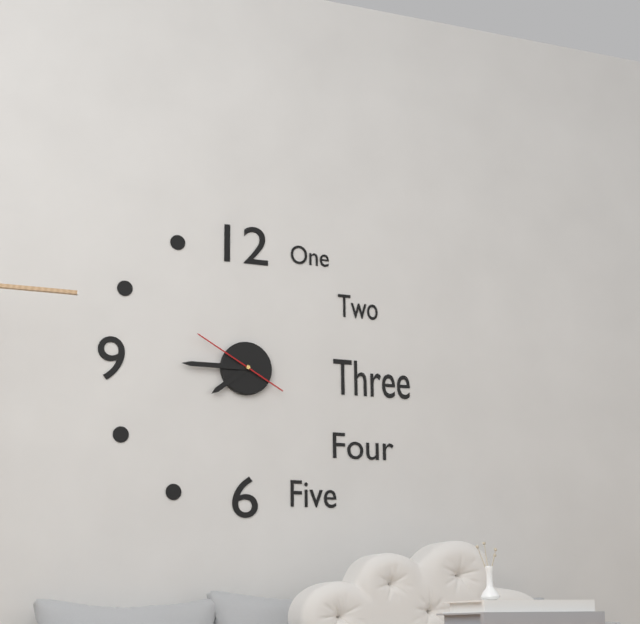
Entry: 7.45.50
